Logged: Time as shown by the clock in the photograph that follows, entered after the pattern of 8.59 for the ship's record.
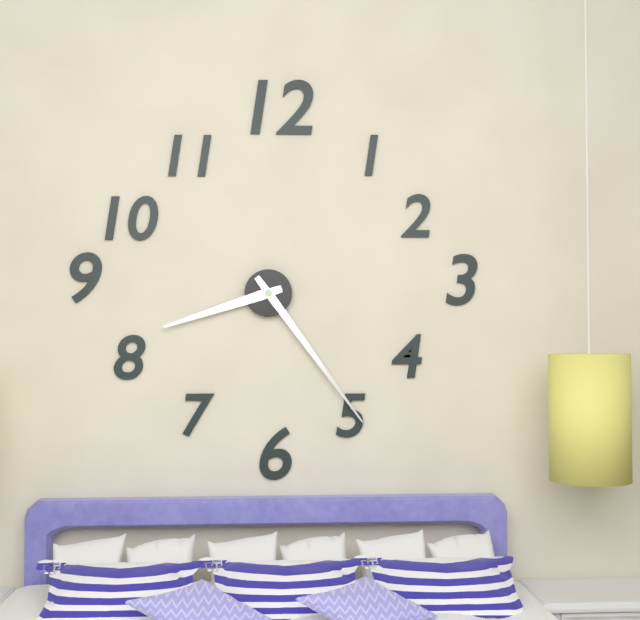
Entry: 8.24
